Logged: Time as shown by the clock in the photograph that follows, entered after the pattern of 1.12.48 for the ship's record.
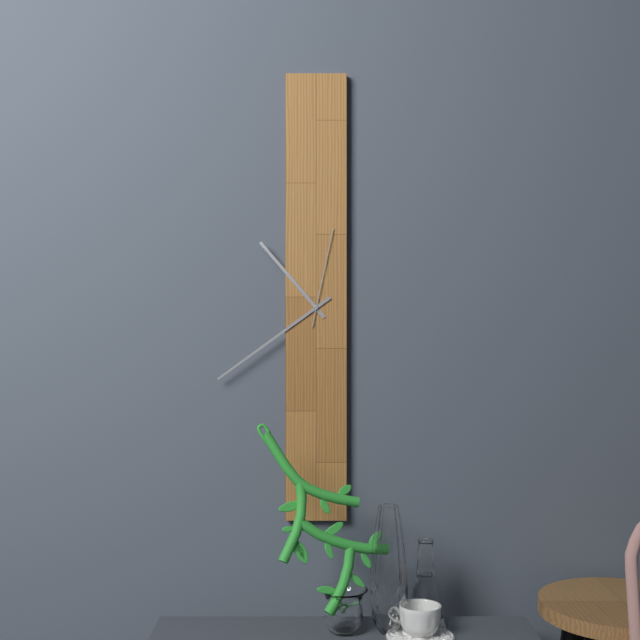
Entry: 10.39.02
